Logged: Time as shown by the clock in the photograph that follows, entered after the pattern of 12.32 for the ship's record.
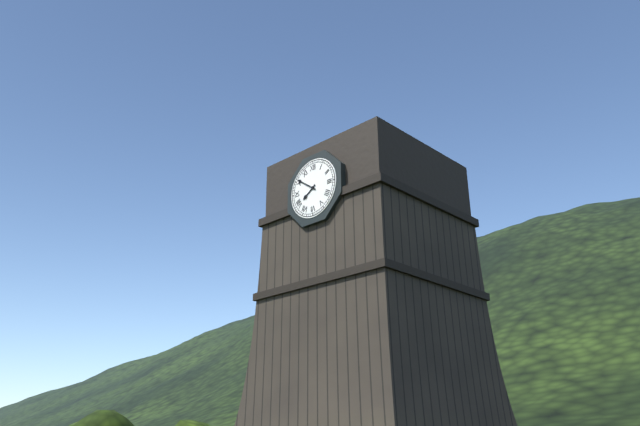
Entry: 7.51
